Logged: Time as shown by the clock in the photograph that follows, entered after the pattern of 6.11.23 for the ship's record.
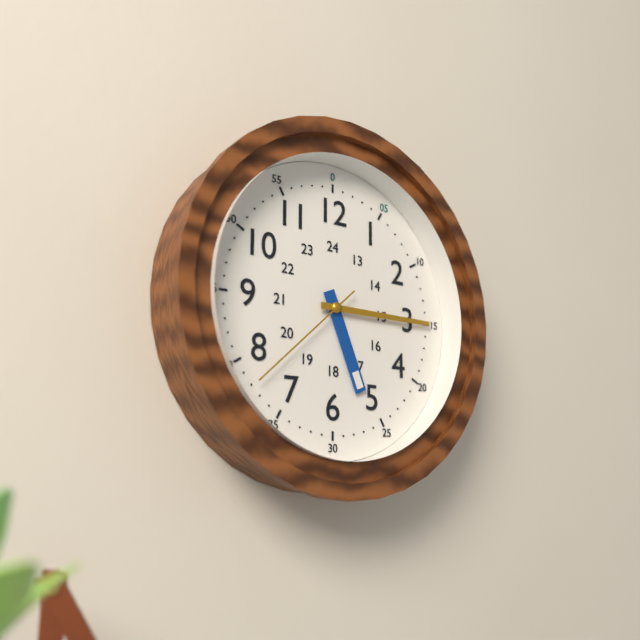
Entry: 5.15.38
